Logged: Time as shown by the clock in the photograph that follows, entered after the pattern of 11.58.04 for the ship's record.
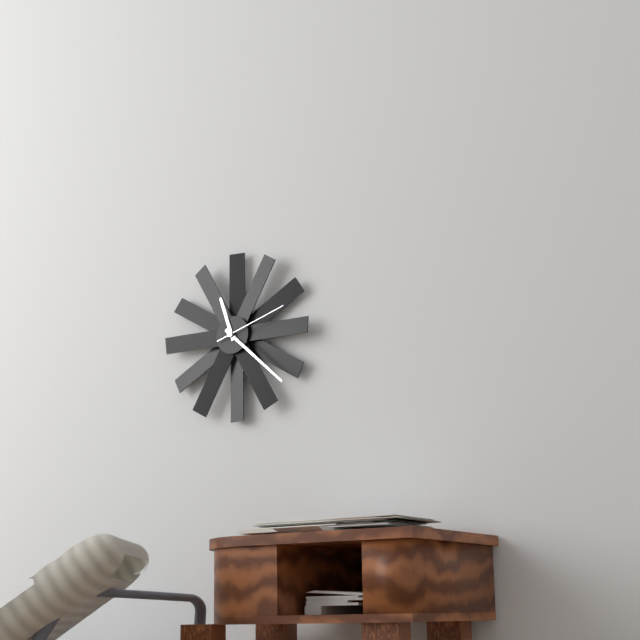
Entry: 11.22.12
